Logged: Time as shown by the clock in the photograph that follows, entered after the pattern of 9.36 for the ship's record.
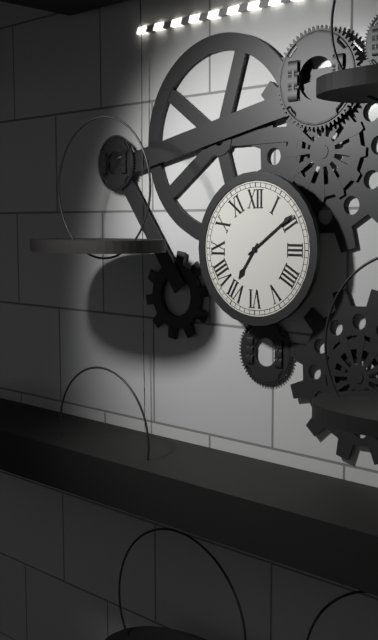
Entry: 7.09
